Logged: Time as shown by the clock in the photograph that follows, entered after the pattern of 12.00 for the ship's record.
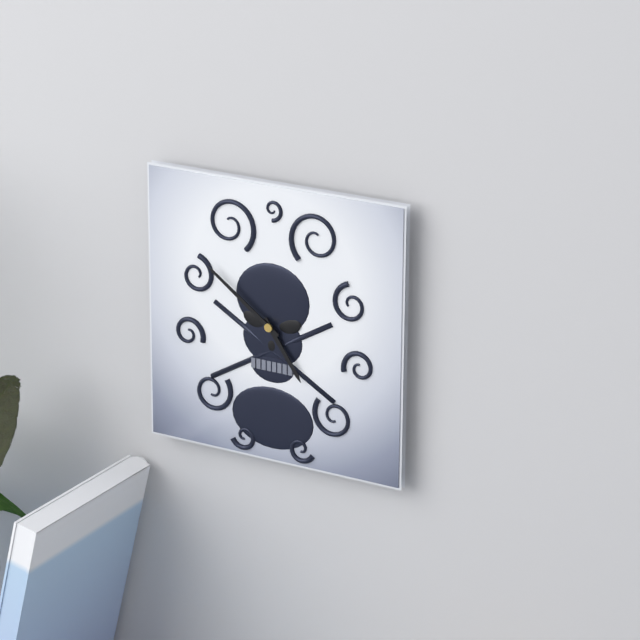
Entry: 4.51
